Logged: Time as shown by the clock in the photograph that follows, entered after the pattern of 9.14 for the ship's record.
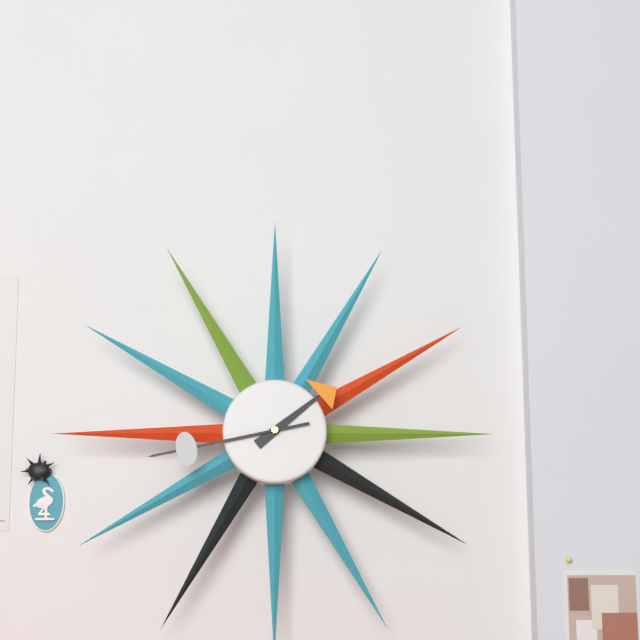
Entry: 1.43
